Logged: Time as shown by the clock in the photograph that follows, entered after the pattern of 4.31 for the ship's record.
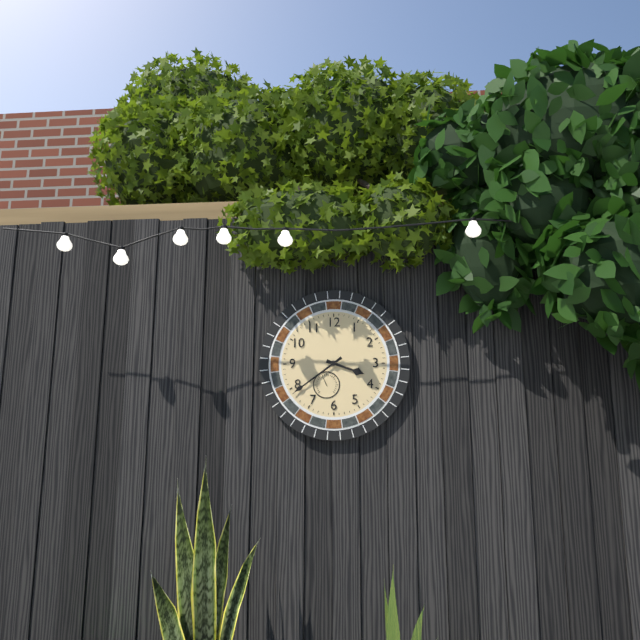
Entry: 3.39
